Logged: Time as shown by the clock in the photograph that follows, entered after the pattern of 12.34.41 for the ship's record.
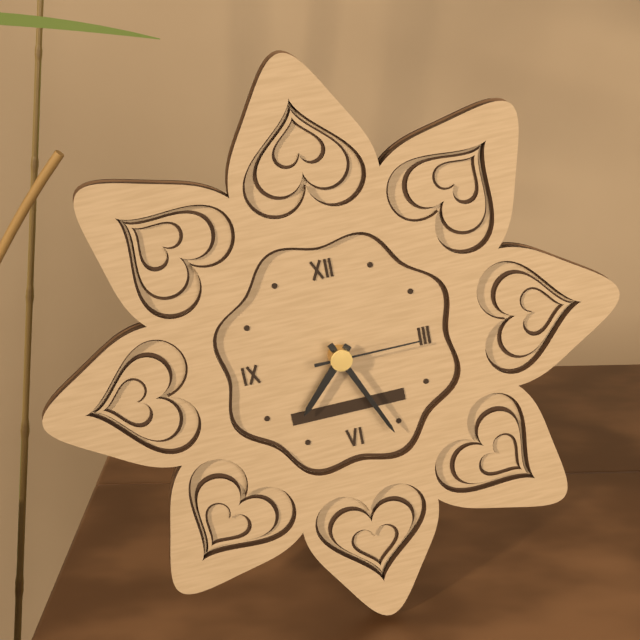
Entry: 7.26.15
